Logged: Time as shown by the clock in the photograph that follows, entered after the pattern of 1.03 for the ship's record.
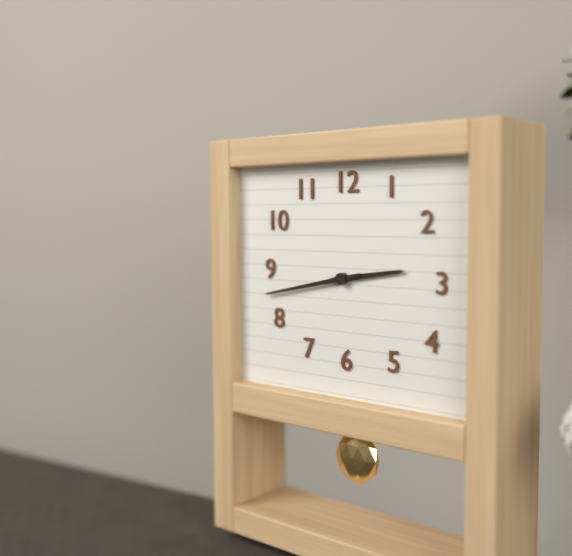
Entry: 2.43
